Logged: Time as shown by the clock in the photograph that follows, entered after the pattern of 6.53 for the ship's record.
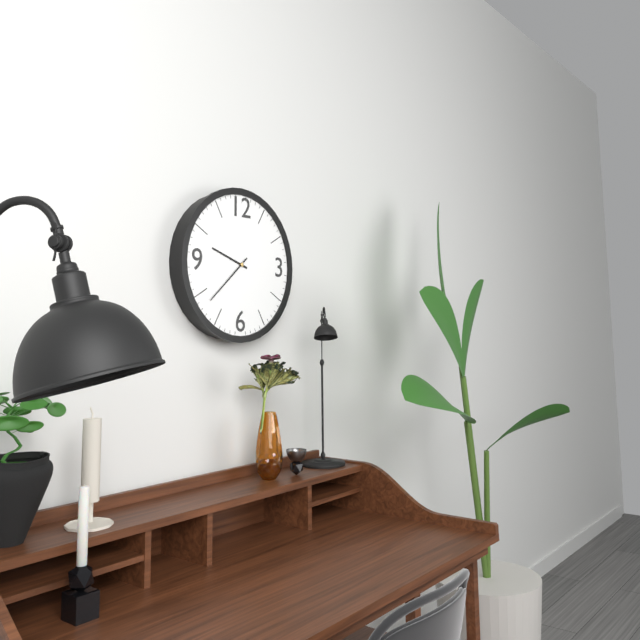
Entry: 9.38
